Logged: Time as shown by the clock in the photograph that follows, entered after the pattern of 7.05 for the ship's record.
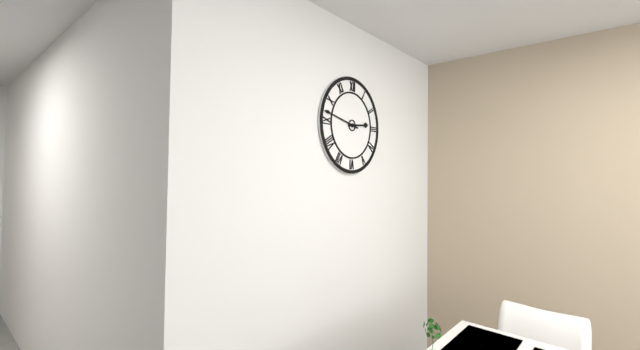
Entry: 2.47
